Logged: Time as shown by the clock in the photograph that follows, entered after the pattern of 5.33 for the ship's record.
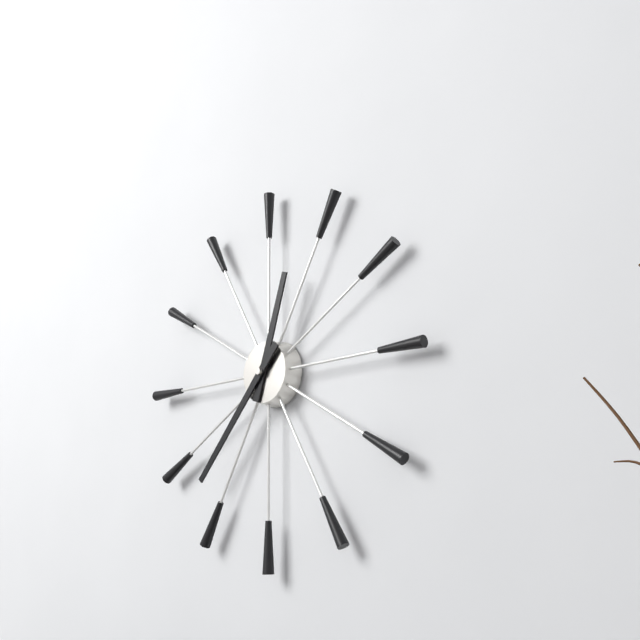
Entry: 12.37
